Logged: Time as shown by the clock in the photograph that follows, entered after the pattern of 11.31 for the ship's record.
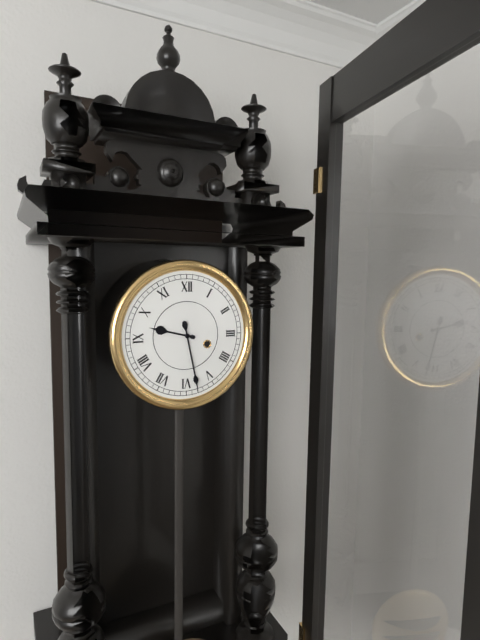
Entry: 9.28
